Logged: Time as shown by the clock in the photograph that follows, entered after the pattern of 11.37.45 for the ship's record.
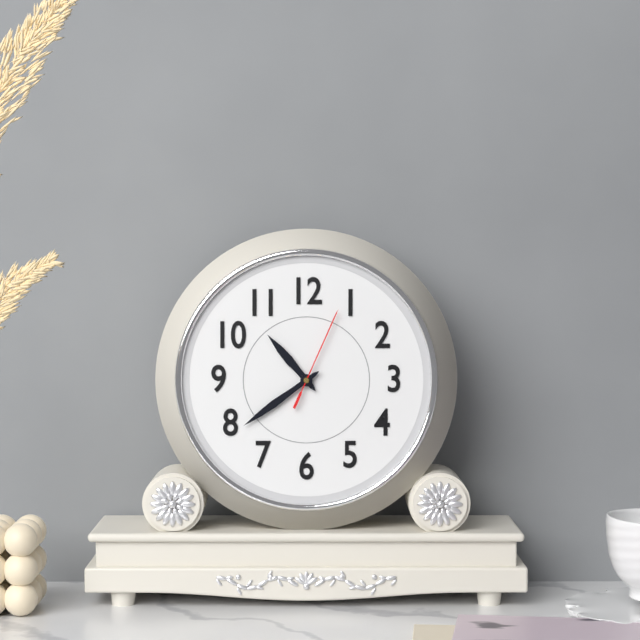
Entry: 10.39.04
